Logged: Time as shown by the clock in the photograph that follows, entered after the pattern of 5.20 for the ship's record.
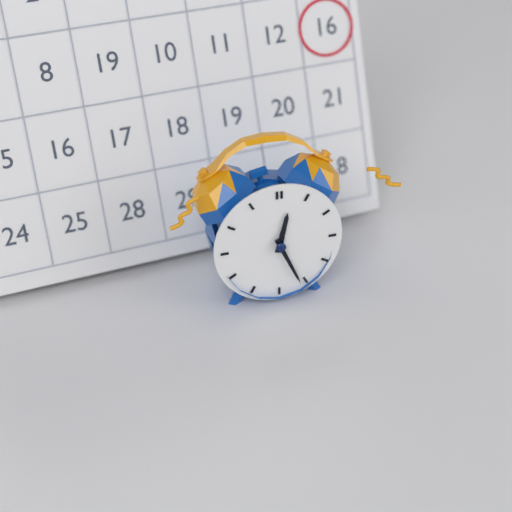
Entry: 12.26
